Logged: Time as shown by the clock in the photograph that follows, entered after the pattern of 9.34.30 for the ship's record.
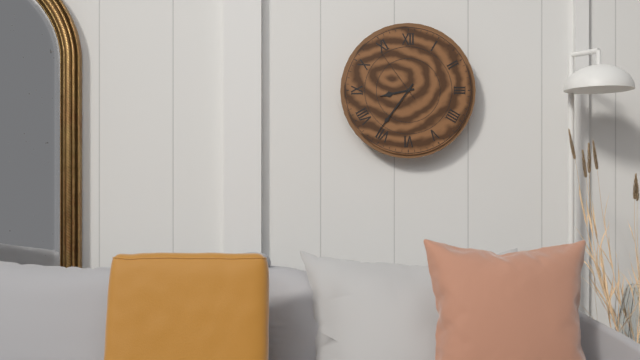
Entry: 8.36.54
